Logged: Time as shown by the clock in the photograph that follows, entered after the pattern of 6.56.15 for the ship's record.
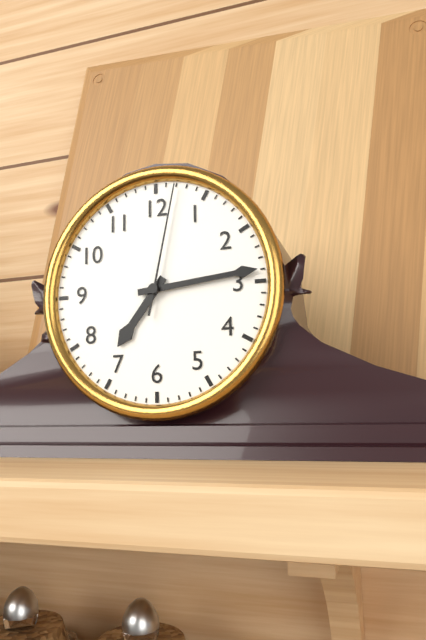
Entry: 7.14.02
